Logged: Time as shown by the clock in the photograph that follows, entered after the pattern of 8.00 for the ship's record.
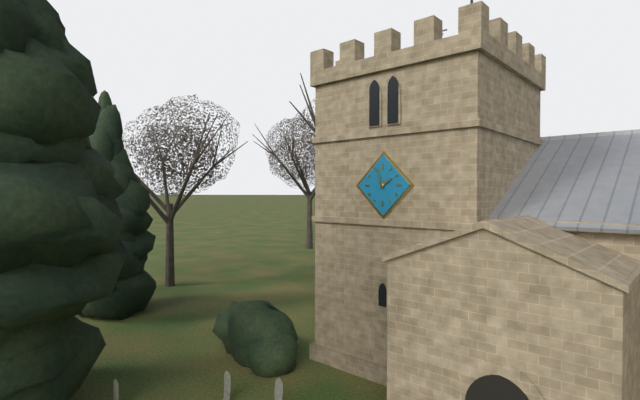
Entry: 1.57
